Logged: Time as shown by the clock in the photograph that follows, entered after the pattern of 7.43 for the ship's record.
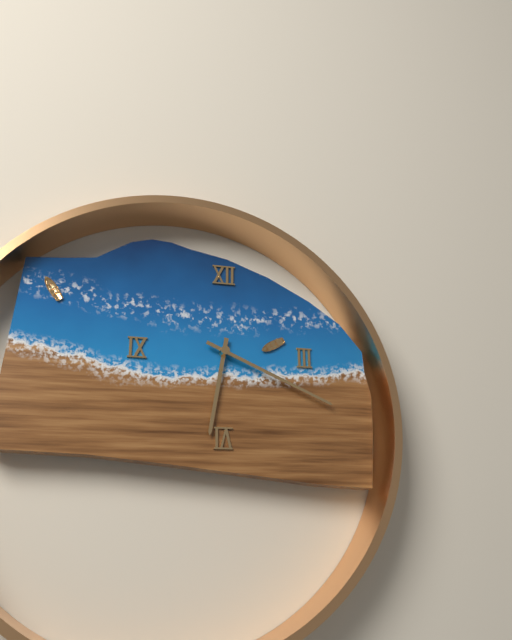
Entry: 6.19
